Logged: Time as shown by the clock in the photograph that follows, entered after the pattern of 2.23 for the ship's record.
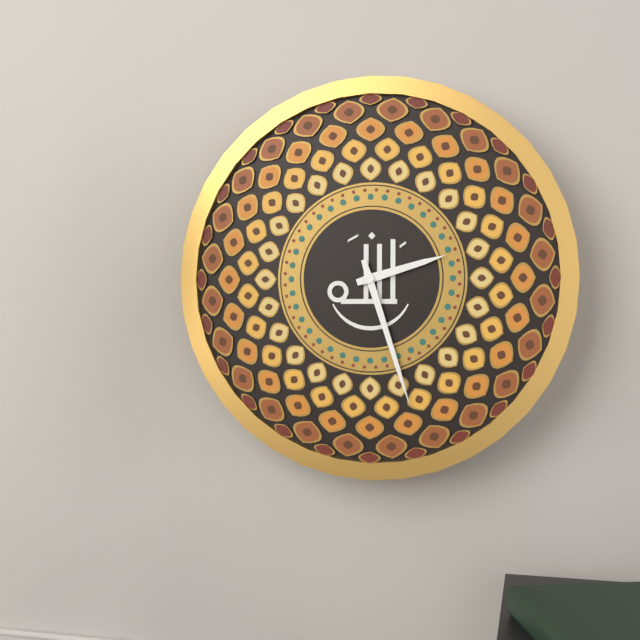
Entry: 2.27
